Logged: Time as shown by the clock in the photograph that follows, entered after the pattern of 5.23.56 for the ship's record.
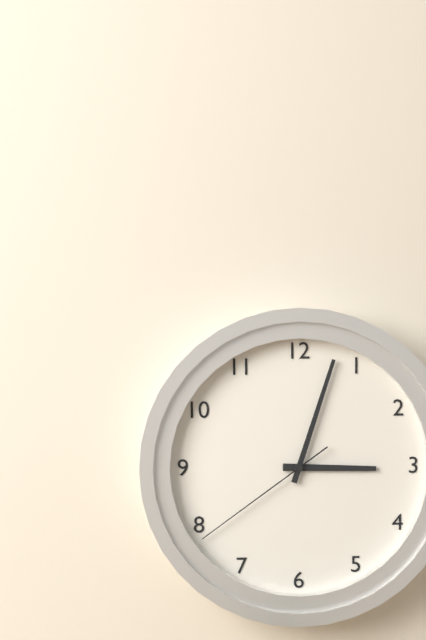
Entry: 3.03.39
